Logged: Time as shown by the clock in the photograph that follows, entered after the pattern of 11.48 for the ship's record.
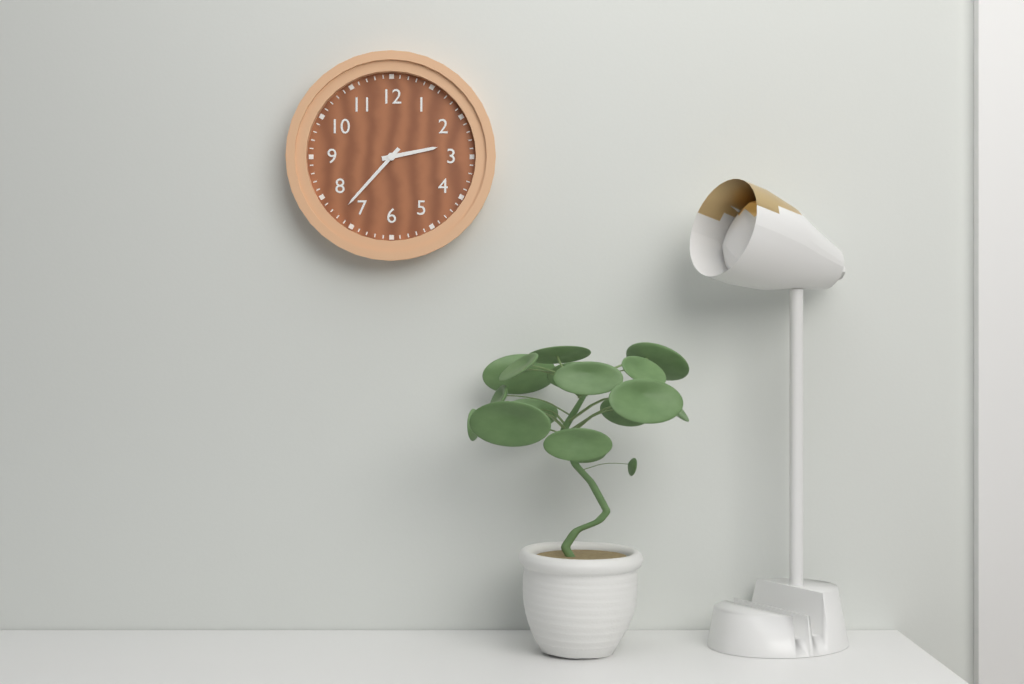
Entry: 2.37
